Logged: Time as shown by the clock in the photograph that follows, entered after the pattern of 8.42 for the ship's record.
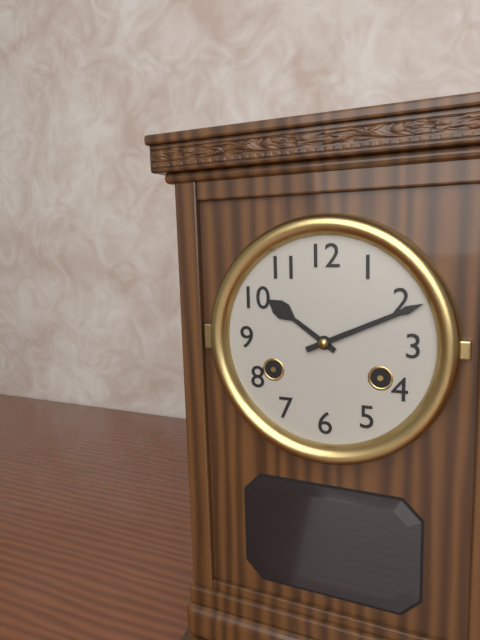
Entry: 10.11
